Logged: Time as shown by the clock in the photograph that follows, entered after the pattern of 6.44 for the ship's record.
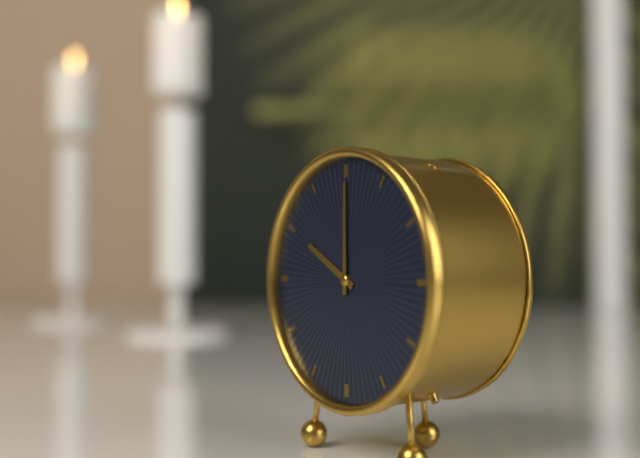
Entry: 10.00
